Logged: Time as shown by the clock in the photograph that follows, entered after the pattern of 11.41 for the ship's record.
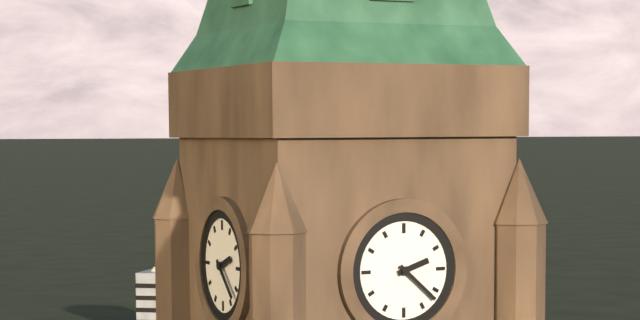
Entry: 2.22
